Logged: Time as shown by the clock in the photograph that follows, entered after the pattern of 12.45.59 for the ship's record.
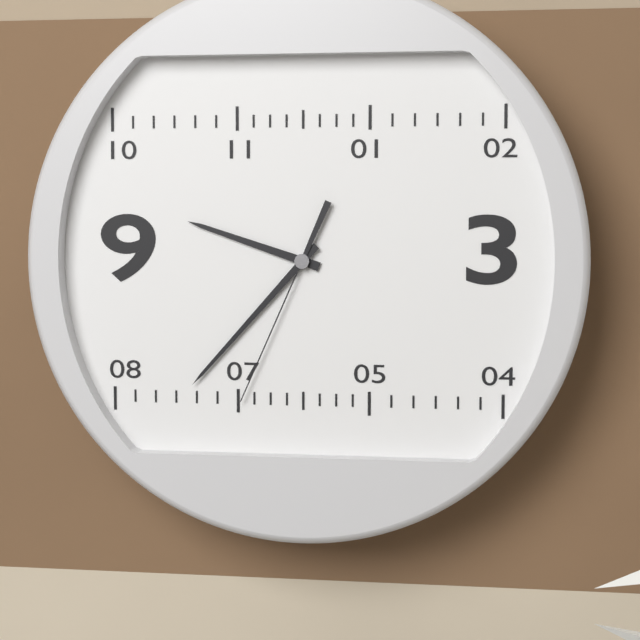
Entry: 9.37.34
